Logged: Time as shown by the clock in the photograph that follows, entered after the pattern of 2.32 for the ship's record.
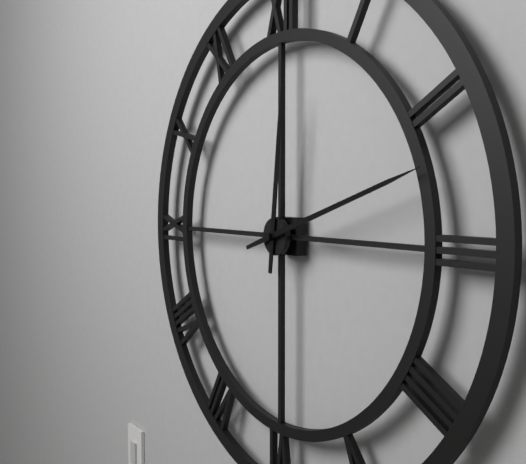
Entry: 12.12
